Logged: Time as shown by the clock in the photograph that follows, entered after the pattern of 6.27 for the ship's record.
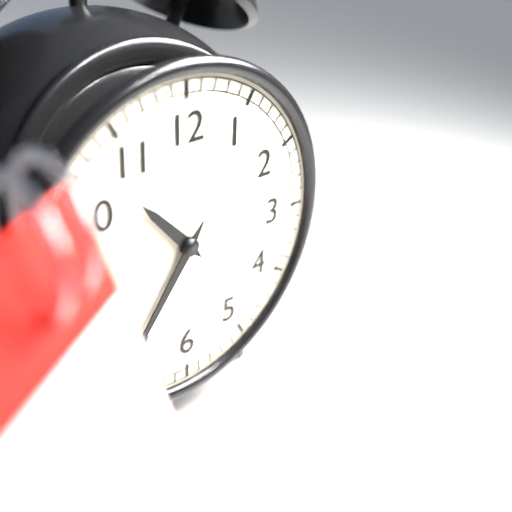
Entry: 10.36
